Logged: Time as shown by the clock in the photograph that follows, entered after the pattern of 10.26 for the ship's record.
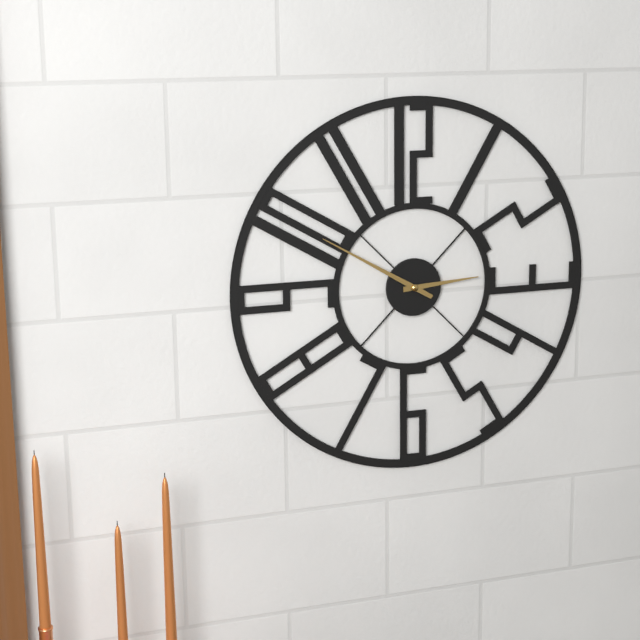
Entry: 2.50
